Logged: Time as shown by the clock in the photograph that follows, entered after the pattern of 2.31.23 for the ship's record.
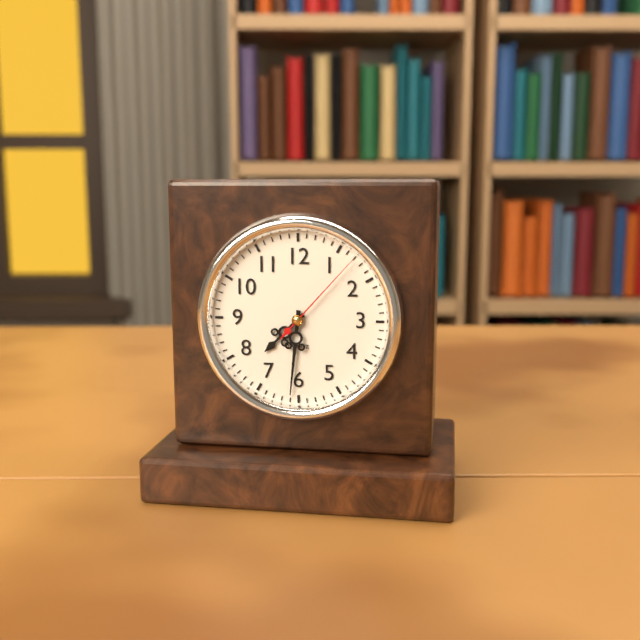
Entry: 7.31.07
